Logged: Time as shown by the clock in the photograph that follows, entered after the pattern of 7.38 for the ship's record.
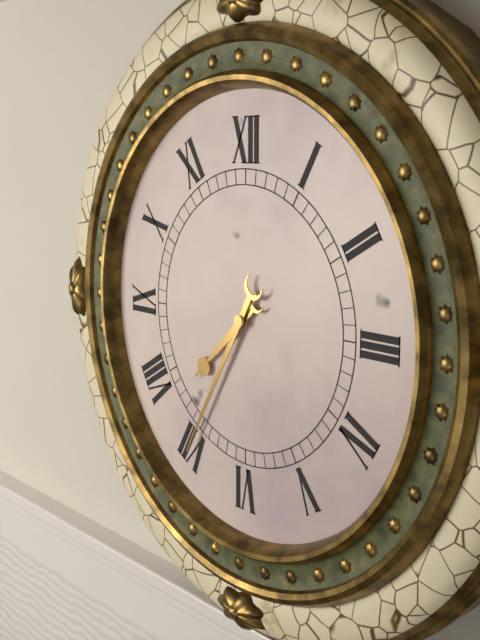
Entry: 7.35
